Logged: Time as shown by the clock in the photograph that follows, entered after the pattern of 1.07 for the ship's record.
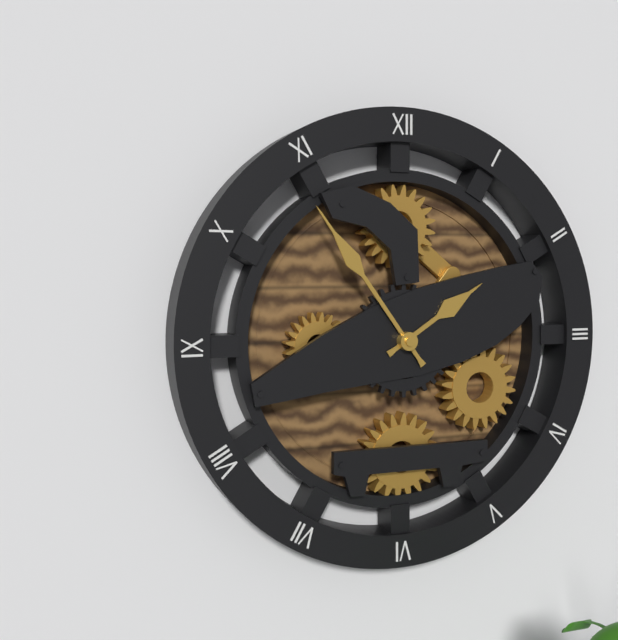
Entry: 1.54
